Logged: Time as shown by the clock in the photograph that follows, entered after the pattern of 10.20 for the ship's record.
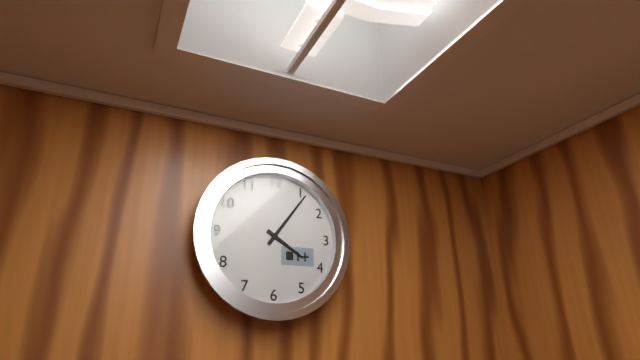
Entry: 4.06
